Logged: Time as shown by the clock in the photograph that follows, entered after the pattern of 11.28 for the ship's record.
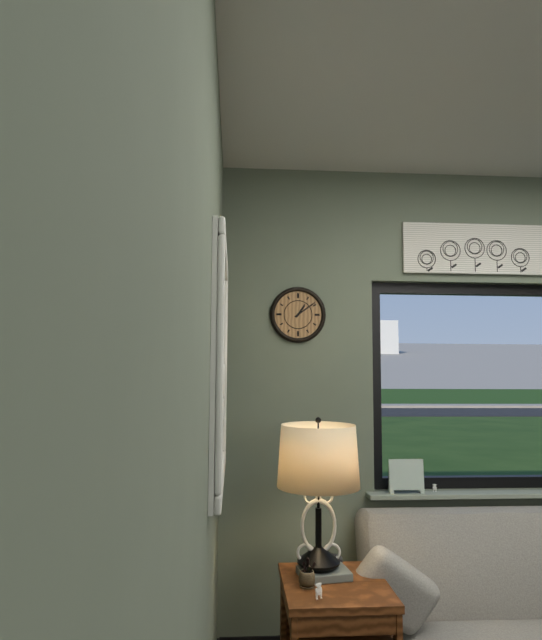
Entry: 1.09
